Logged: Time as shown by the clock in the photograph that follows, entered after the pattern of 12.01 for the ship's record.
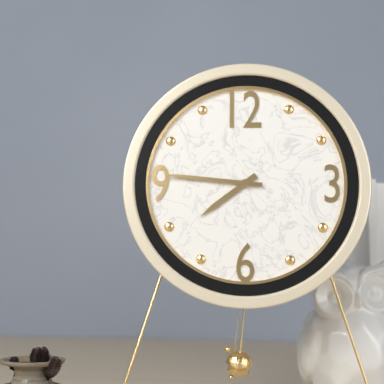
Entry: 7.46
